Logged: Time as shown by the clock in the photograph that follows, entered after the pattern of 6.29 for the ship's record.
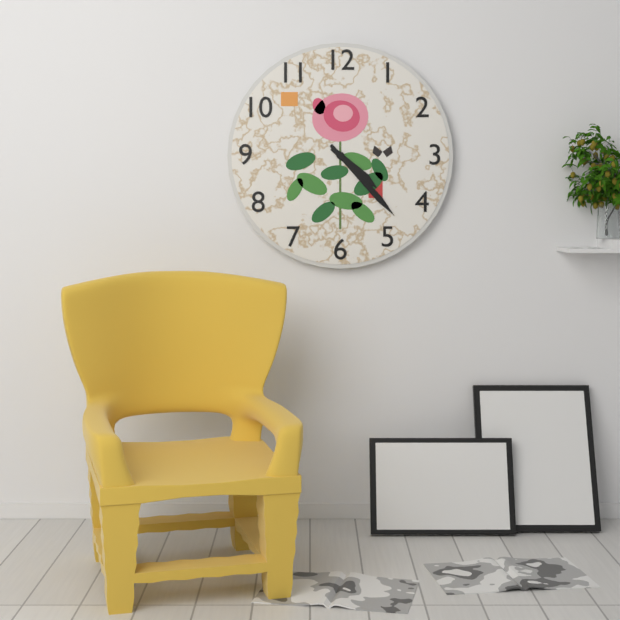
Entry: 4.23
